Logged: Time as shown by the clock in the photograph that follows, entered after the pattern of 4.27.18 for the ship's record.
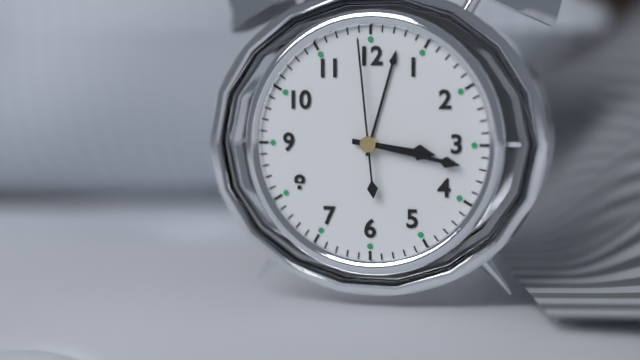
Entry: 3.17.59
